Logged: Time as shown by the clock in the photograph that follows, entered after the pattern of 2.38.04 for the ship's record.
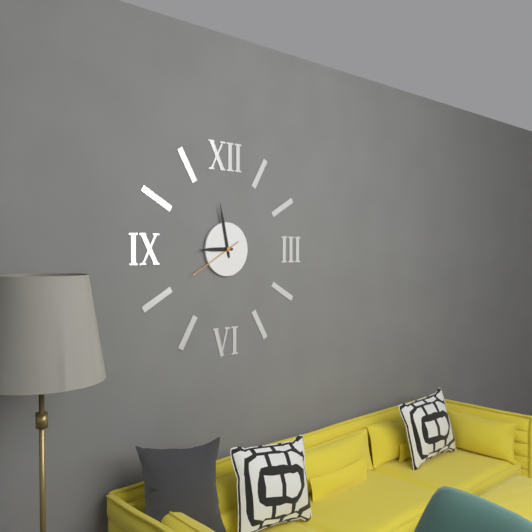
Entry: 8.58.40
